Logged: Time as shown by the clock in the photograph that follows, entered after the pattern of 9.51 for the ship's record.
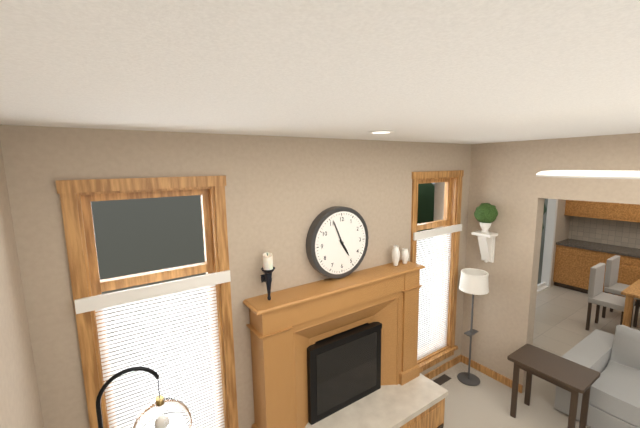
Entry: 4.56
